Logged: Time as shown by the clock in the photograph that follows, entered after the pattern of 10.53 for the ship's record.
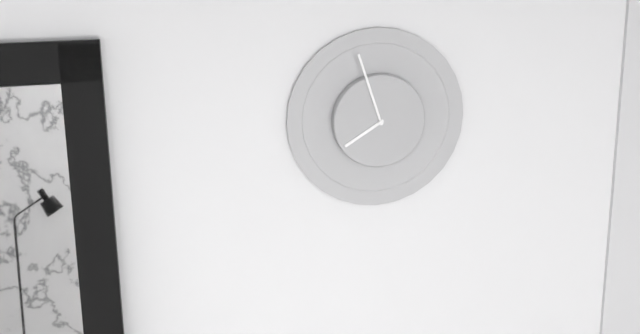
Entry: 7.57
